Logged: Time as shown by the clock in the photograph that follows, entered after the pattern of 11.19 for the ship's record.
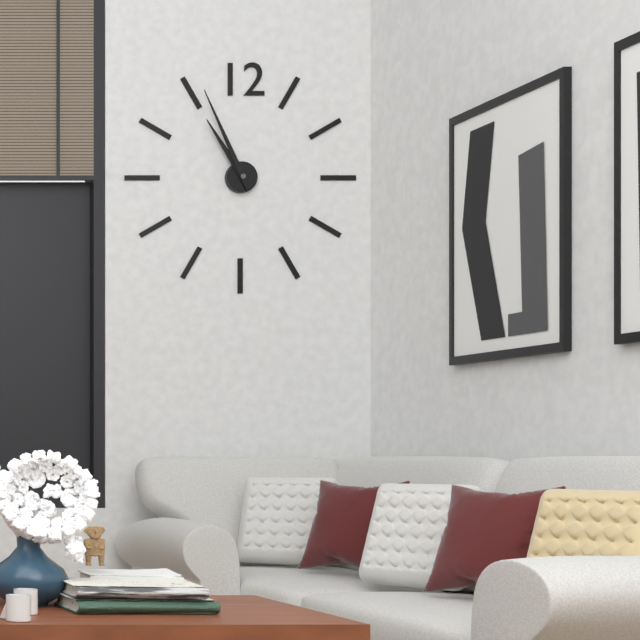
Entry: 10.56
